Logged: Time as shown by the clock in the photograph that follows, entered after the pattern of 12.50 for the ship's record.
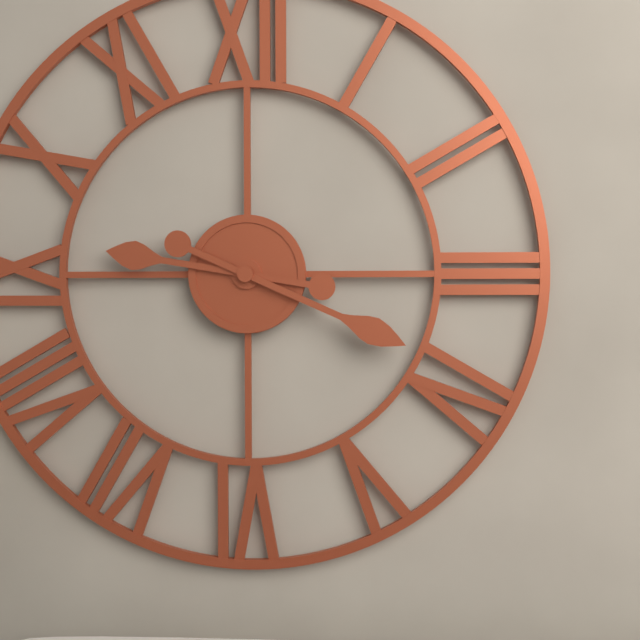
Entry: 9.19
